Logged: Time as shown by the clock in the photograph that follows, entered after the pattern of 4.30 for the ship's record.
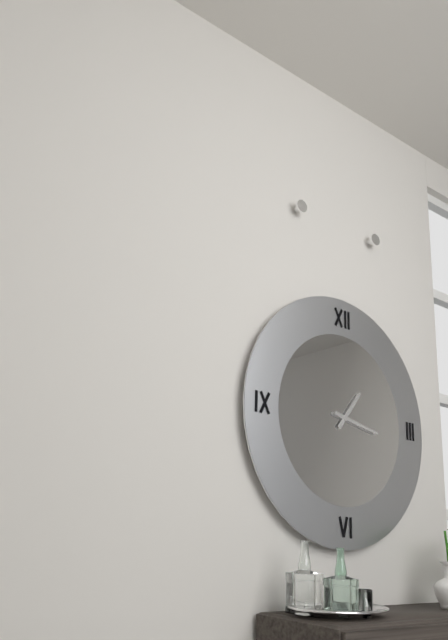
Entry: 1.17
